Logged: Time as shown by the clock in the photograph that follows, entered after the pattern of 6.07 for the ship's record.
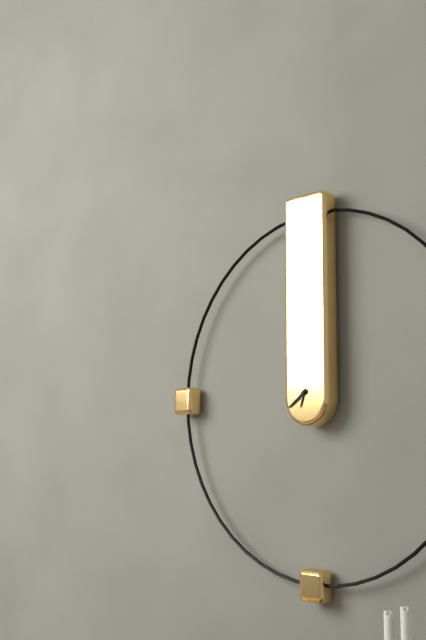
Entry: 6.39
